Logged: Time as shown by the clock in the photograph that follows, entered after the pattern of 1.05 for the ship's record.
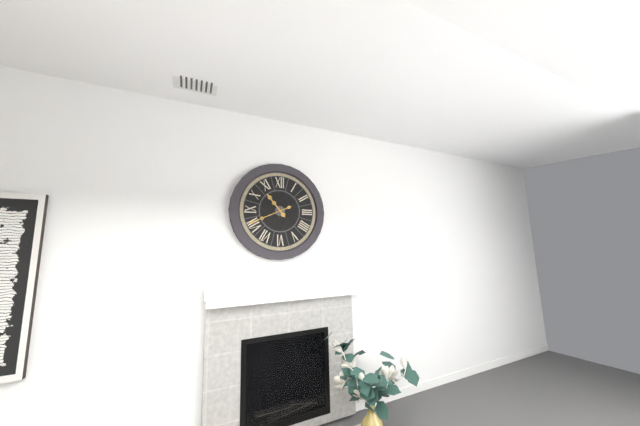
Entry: 10.41
